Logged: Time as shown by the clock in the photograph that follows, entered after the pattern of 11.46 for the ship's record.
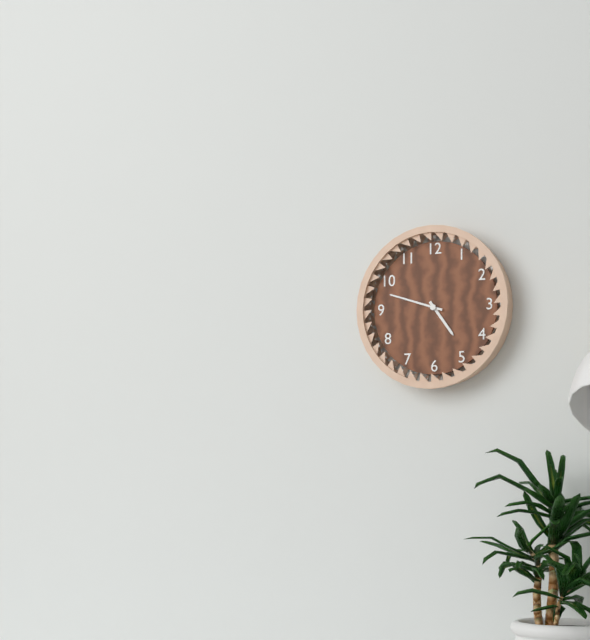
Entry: 4.48
